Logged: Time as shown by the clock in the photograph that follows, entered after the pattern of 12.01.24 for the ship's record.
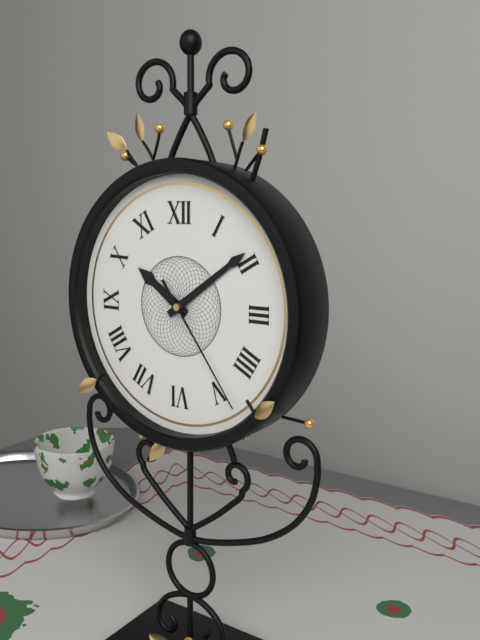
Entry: 10.09.24
